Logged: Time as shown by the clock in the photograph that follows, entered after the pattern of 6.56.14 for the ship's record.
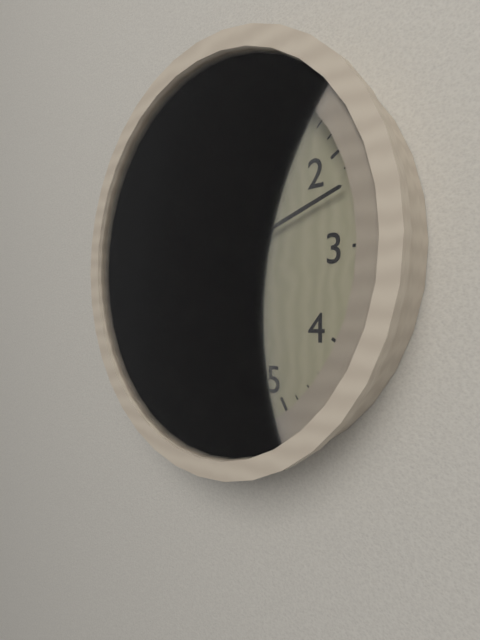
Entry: 9.12.07
